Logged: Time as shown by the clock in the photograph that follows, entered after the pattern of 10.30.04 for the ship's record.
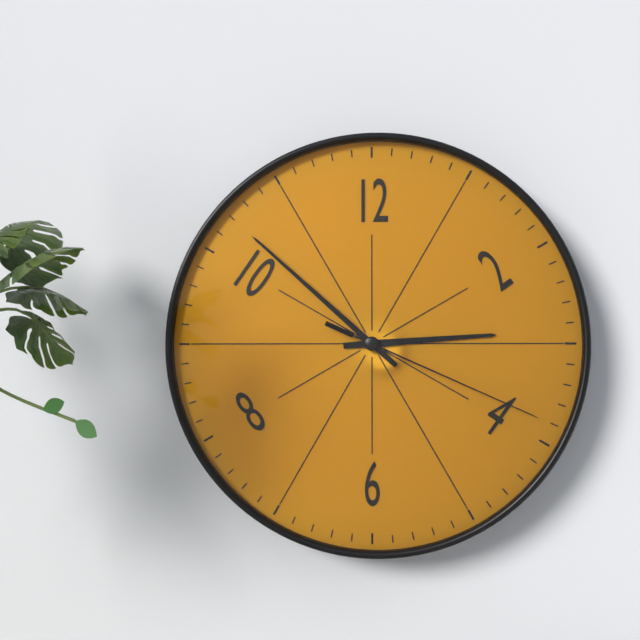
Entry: 2.52.19
